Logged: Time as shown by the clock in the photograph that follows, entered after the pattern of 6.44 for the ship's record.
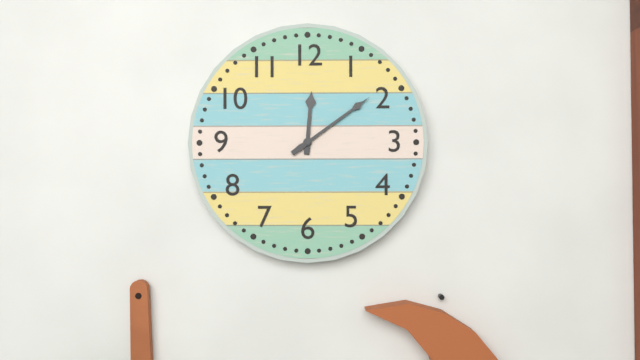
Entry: 12.09
